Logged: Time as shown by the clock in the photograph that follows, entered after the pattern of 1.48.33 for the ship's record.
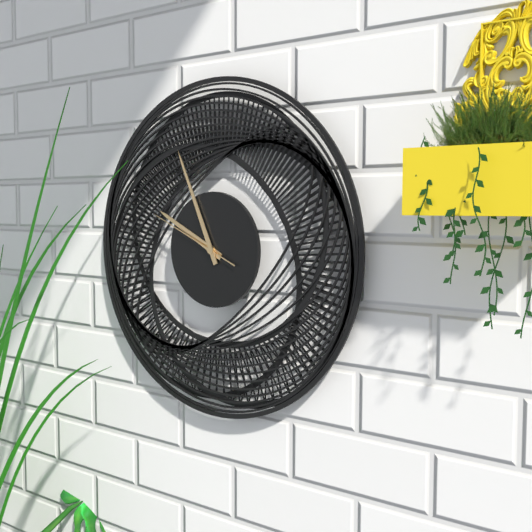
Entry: 9.56.49
